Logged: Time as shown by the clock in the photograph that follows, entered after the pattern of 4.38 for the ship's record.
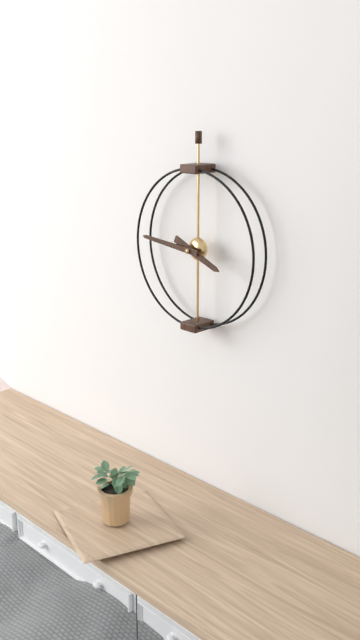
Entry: 3.46
